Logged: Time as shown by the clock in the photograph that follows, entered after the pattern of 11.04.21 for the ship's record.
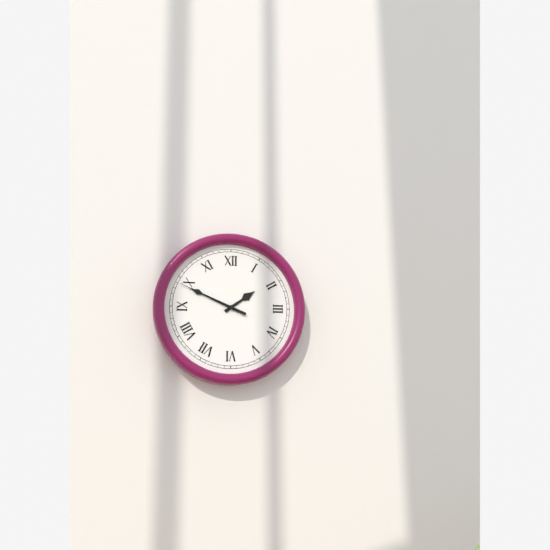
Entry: 1.49.49
